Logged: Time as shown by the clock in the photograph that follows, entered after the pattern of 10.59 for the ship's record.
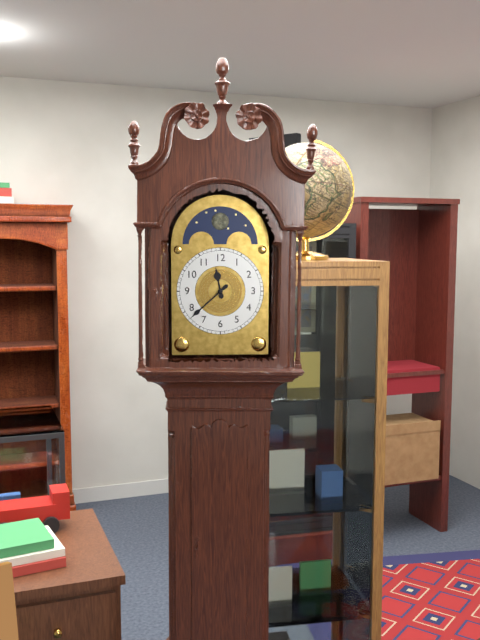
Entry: 11.38
